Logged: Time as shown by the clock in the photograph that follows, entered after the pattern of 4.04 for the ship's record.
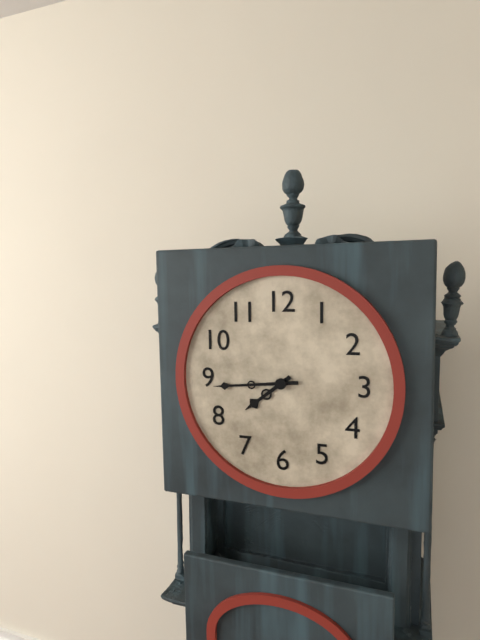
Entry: 7.44
